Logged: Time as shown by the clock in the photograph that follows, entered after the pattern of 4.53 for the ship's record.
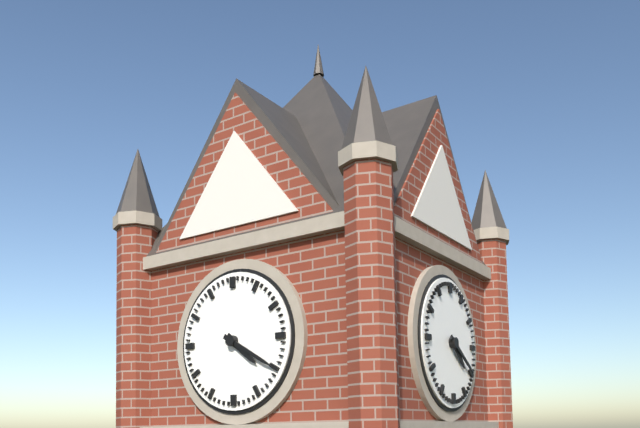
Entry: 4.20
